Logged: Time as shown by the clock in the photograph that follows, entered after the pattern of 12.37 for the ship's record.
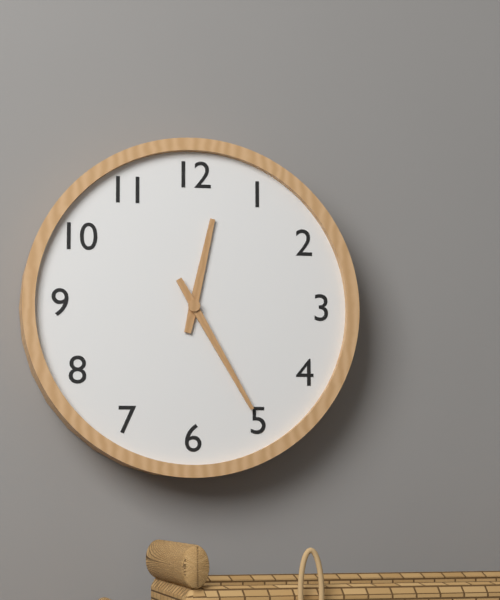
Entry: 12.25
